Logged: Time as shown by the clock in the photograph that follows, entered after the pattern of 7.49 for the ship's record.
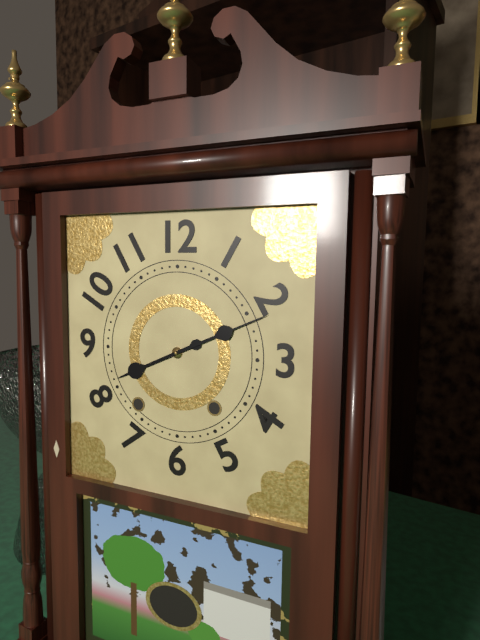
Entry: 8.11
